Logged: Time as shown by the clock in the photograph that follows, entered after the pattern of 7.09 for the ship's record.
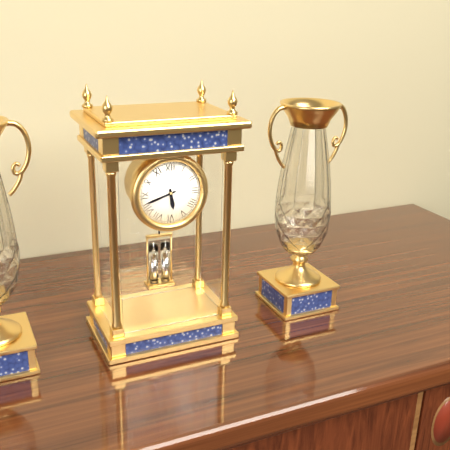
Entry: 5.42
